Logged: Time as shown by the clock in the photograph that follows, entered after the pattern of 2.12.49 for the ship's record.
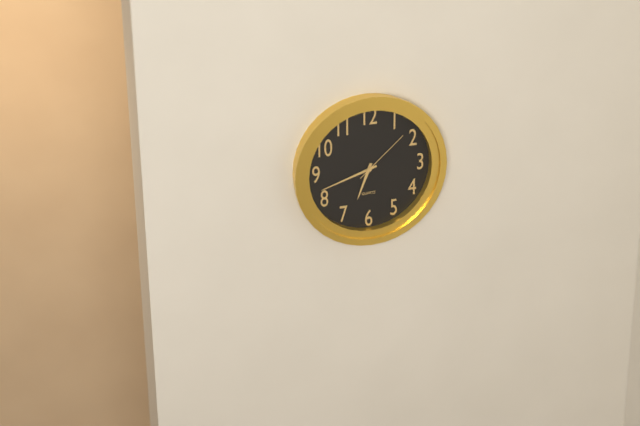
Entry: 6.42.08
